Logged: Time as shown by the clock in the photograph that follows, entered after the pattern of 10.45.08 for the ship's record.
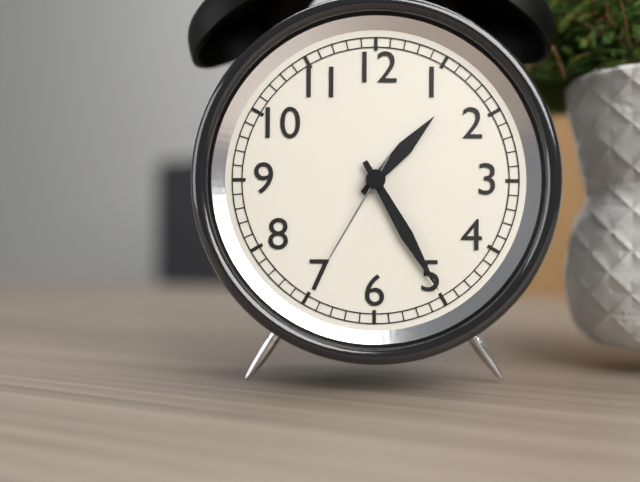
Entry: 1.25.35
